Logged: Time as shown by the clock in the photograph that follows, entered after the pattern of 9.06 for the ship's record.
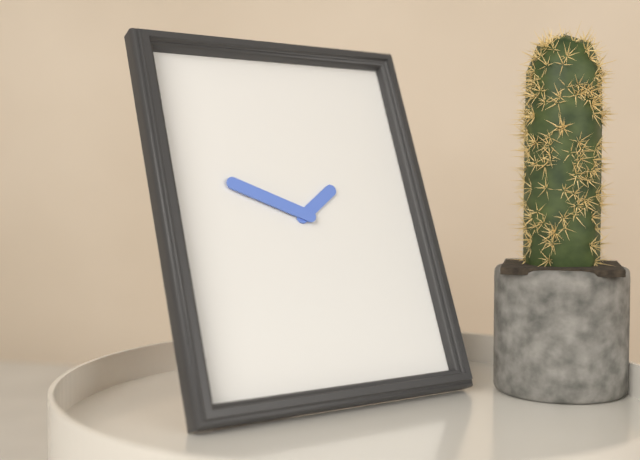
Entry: 1.49
